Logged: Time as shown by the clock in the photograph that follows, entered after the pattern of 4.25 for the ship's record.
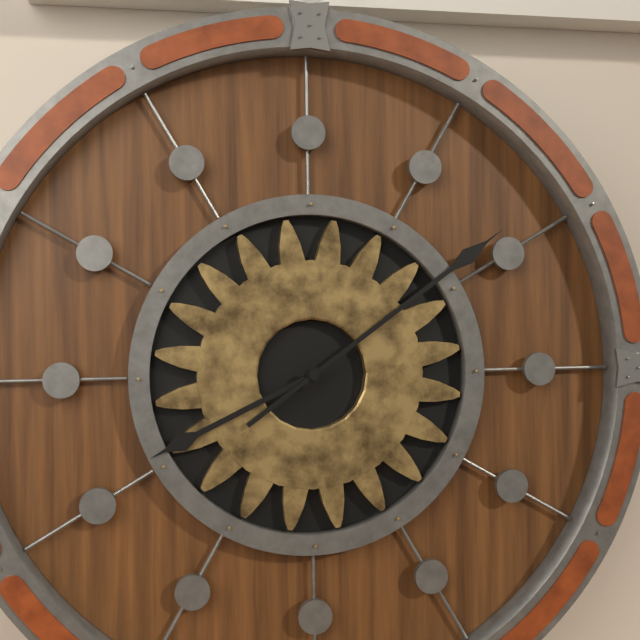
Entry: 8.09
